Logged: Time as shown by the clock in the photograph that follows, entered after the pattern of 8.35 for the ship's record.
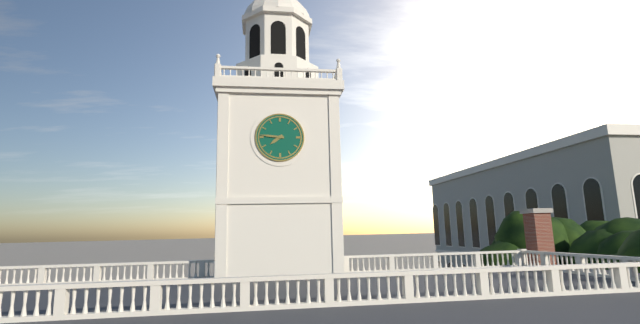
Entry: 7.46
